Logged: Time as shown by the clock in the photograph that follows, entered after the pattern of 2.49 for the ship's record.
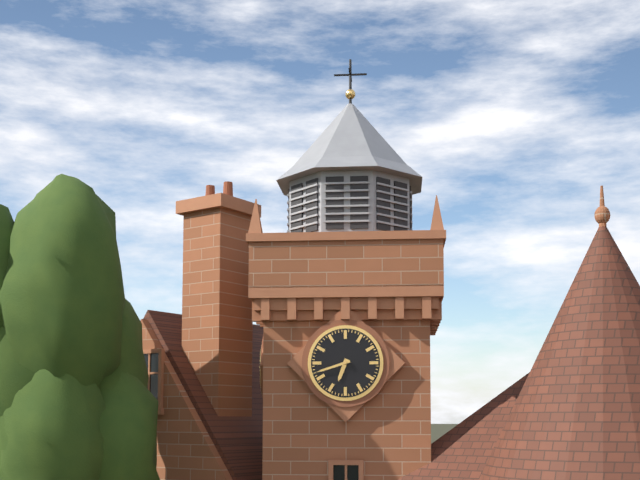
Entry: 6.42
